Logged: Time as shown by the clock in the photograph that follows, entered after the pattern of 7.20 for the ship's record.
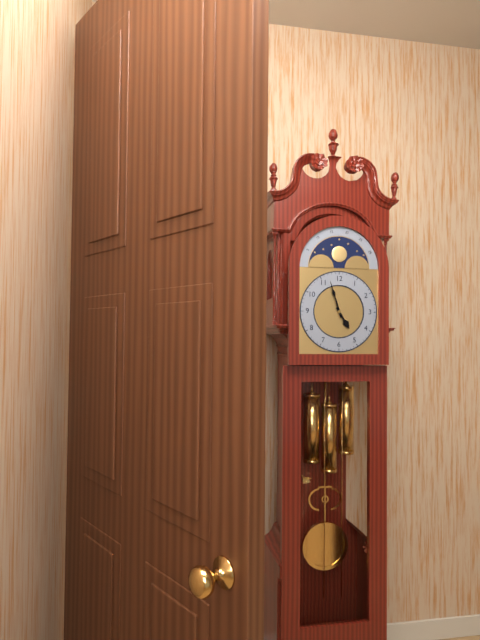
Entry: 4.57
